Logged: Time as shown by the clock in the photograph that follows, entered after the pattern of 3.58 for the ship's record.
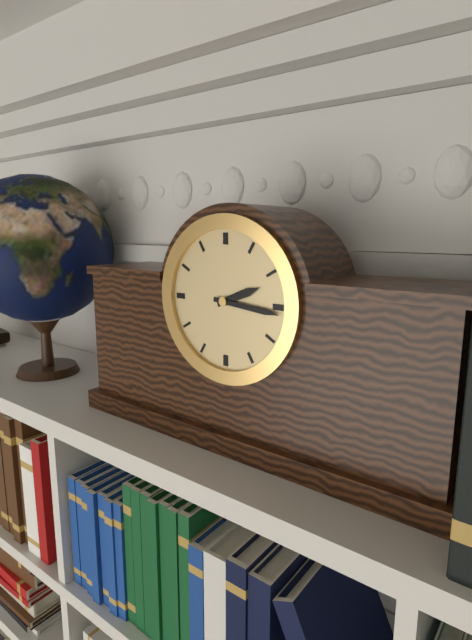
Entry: 2.16
